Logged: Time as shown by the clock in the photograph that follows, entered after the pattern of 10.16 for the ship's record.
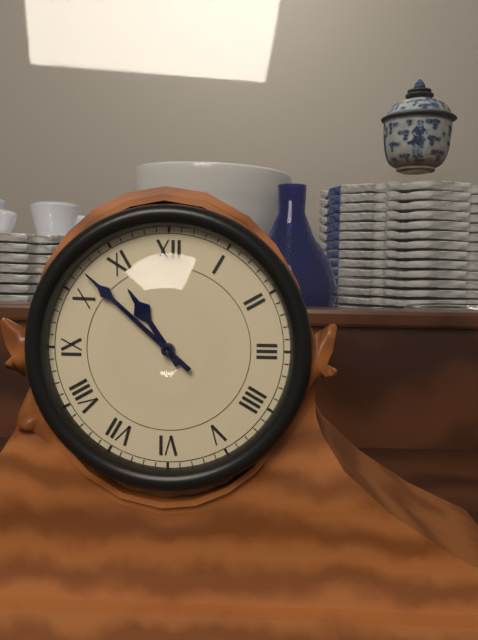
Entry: 10.52
